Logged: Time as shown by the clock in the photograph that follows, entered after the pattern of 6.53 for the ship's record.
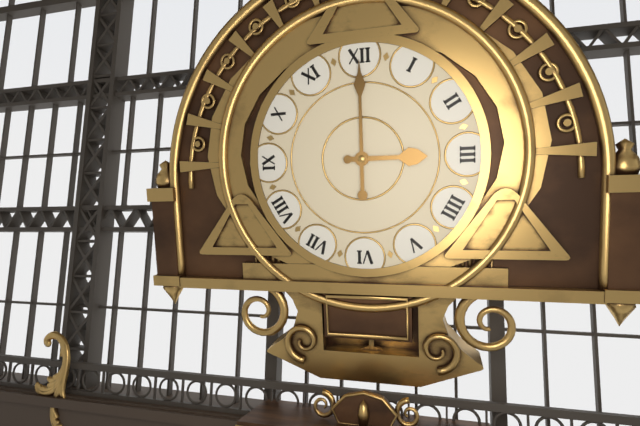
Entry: 3.00
